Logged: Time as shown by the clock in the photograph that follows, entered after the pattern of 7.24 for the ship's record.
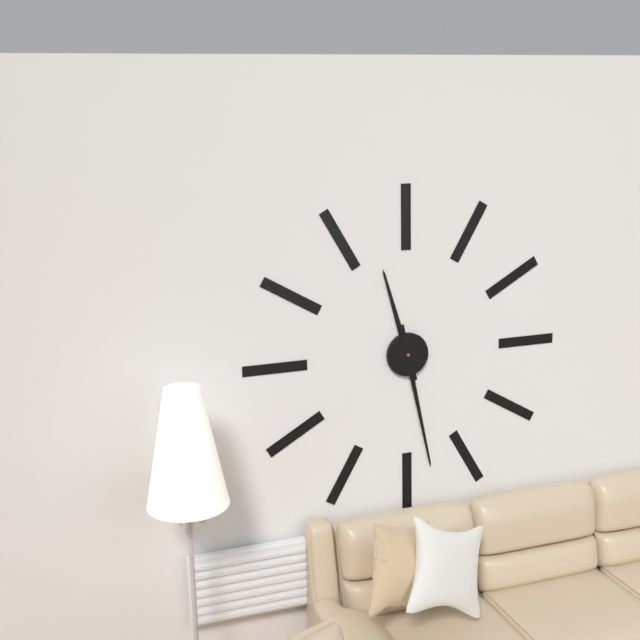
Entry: 11.28
